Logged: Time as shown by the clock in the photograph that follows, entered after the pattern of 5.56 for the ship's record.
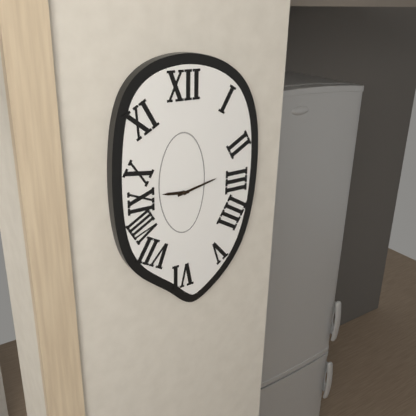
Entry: 9.13
